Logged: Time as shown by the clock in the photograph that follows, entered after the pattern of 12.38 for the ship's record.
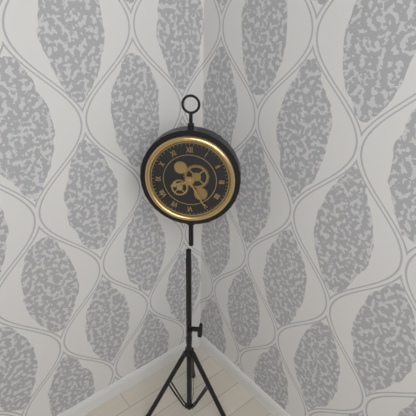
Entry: 8.25
